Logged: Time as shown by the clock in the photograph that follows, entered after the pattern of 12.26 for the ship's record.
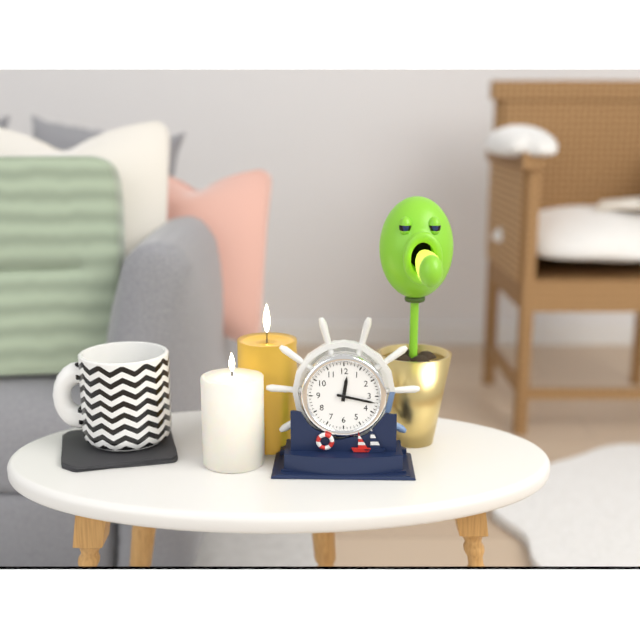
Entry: 12.17
